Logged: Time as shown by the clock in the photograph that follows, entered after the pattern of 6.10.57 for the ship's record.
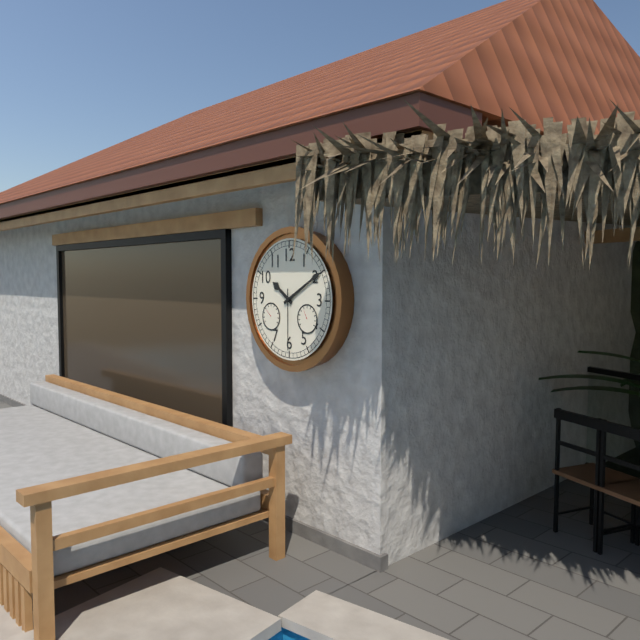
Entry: 10.10.30
